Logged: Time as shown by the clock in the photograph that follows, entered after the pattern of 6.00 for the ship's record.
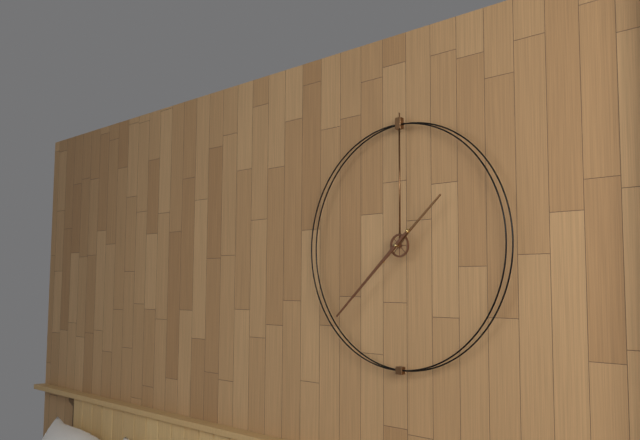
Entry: 1.38
